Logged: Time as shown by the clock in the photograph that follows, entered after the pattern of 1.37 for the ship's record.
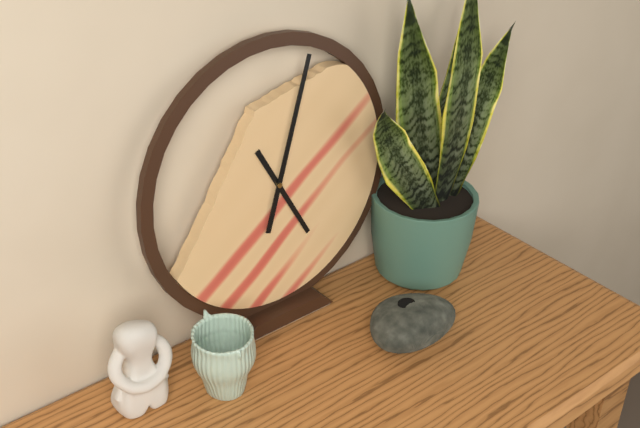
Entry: 5.03
